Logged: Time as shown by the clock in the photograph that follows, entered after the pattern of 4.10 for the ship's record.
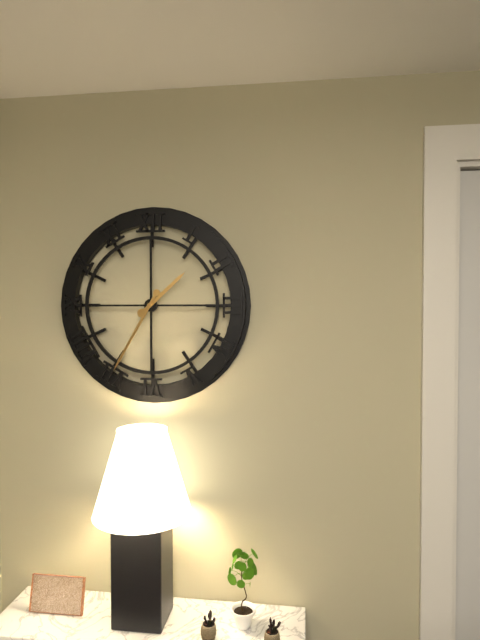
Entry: 1.35
